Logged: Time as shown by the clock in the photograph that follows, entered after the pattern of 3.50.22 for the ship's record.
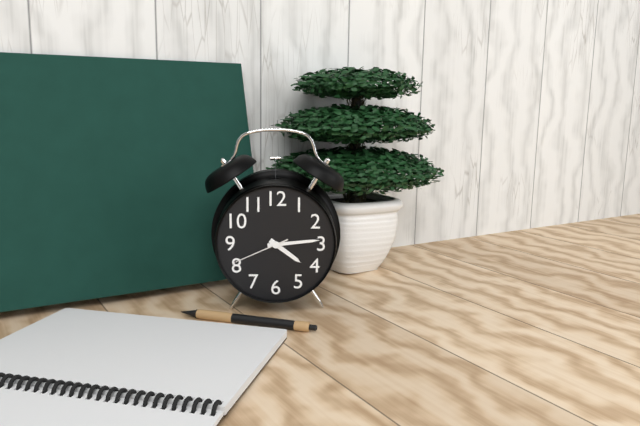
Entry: 4.14.41
